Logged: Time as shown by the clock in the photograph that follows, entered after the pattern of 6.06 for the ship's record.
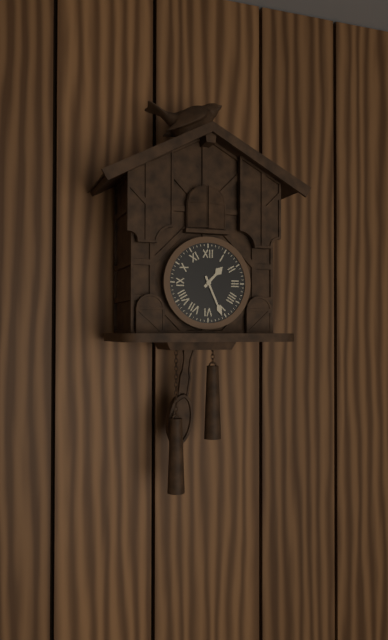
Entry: 1.26
